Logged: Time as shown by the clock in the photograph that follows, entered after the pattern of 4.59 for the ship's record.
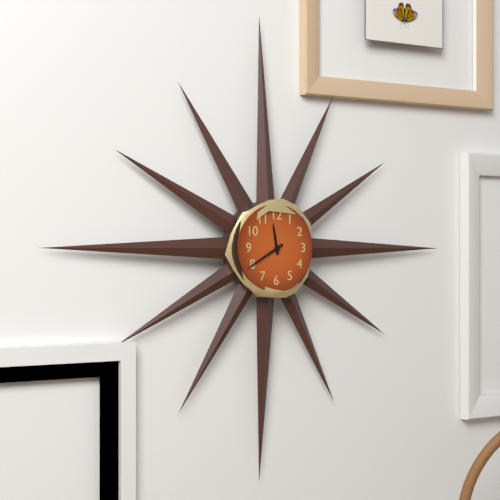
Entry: 11.40
